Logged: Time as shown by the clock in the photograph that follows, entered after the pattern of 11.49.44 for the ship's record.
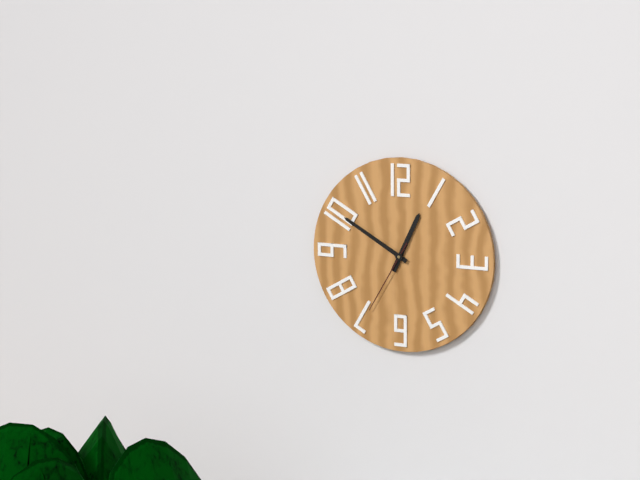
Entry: 12.50.35
